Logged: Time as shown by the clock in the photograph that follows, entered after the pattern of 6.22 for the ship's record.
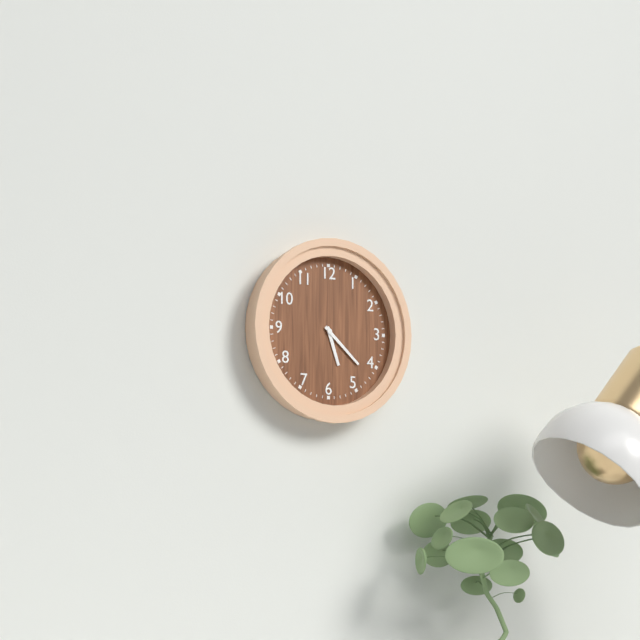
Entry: 5.22
